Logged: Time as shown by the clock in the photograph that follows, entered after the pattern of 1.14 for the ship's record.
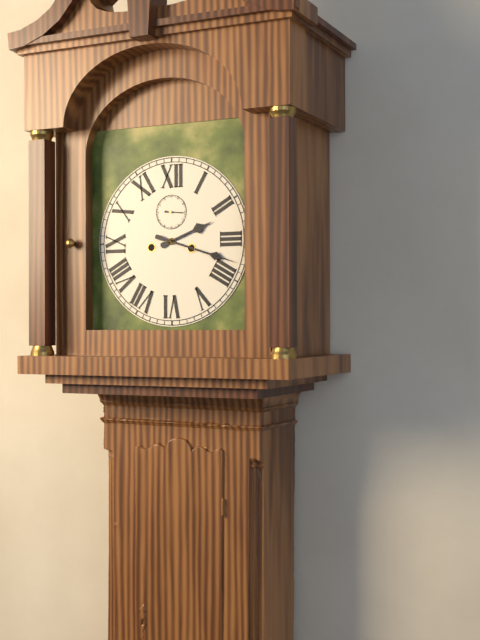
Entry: 2.18
